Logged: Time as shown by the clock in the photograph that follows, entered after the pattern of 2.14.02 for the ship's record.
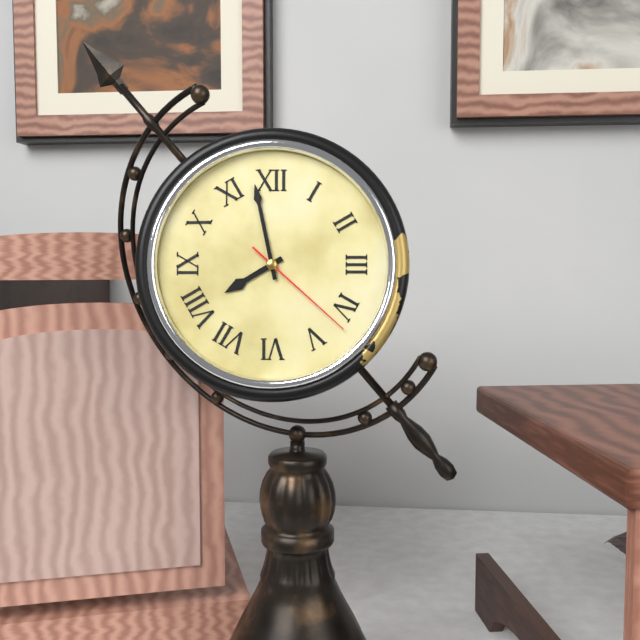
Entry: 7.58.22
